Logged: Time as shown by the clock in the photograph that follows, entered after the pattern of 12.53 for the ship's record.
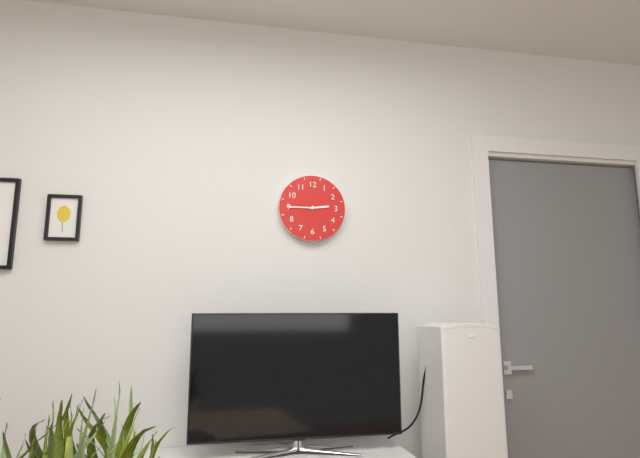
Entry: 2.45
